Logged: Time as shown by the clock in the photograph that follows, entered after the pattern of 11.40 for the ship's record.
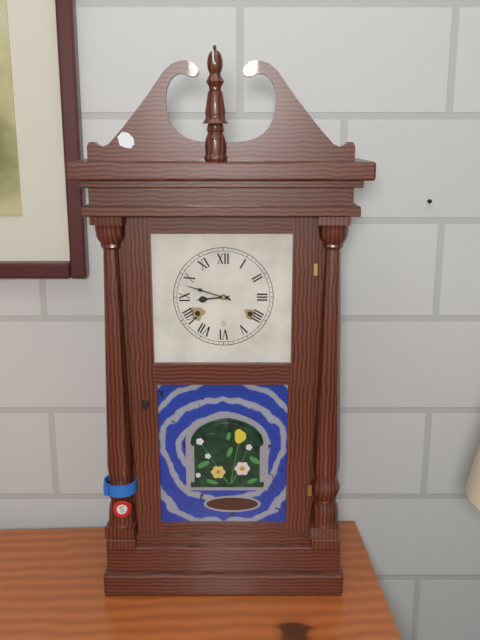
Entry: 8.48
